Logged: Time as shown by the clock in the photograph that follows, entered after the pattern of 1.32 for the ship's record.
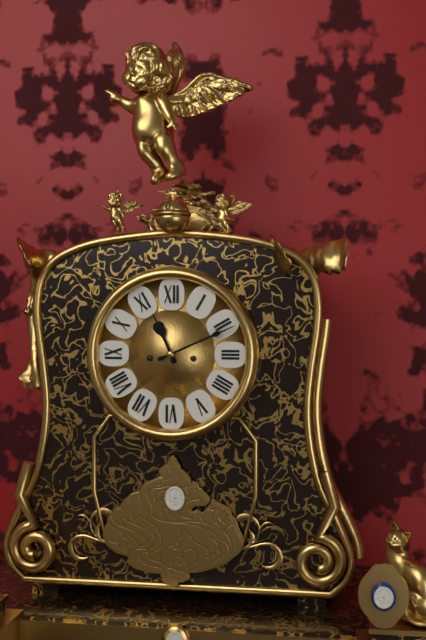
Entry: 11.11
